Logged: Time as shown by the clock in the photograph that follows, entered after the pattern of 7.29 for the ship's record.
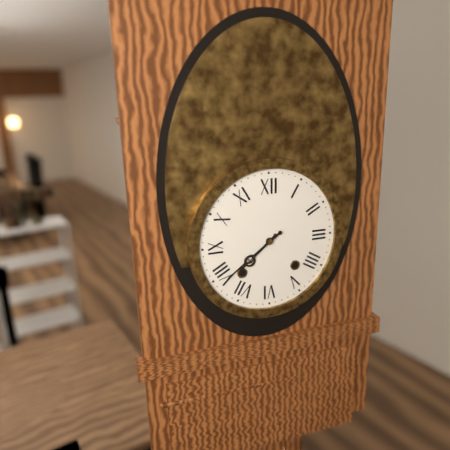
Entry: 7.39
